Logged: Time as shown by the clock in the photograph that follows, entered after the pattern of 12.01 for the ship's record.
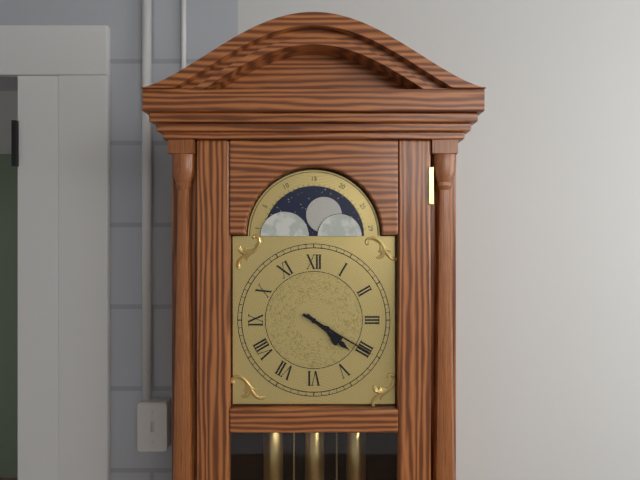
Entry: 4.20
